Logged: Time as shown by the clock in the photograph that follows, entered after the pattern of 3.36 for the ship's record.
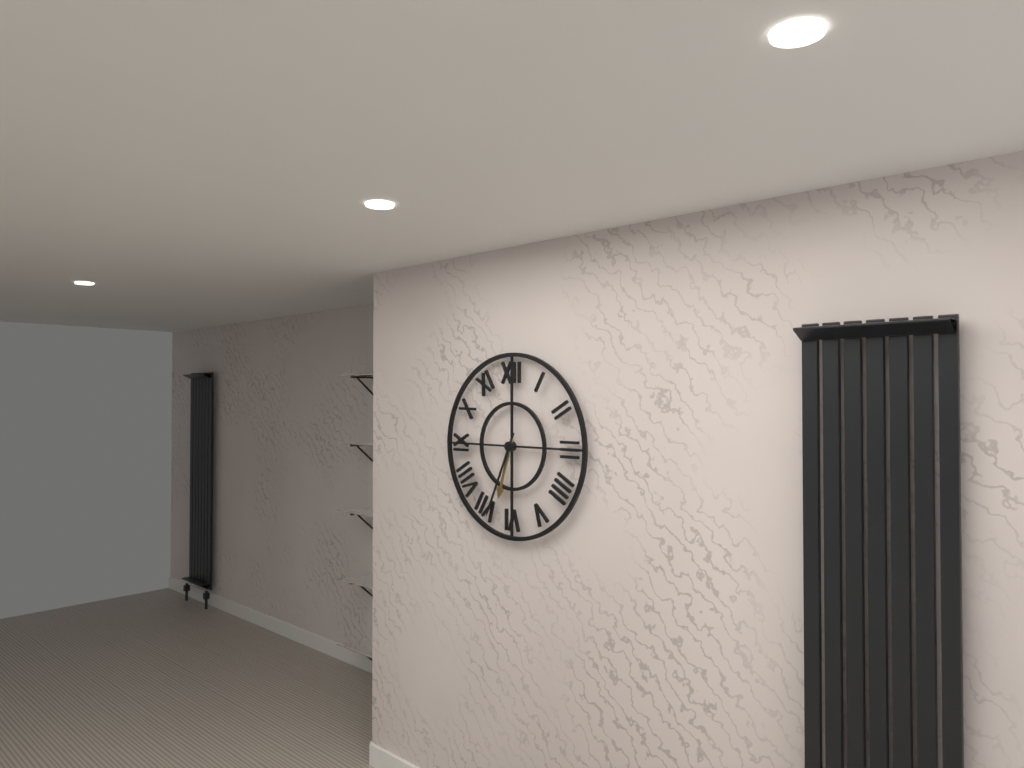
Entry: 6.34
